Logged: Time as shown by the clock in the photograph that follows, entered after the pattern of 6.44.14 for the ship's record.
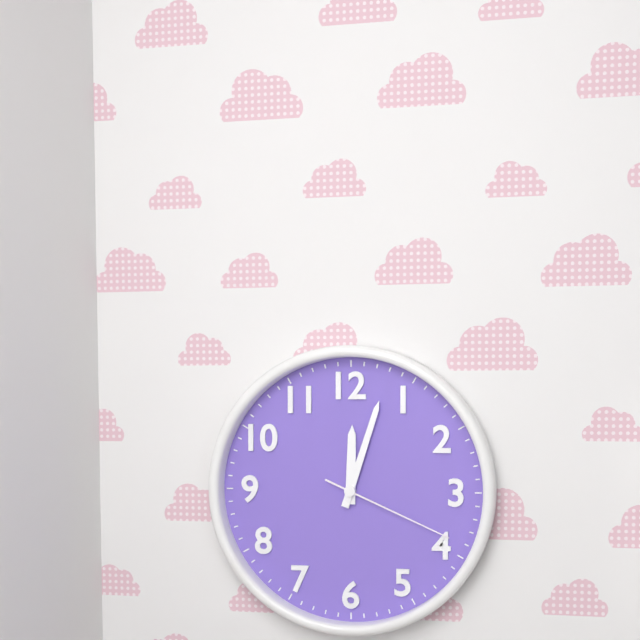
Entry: 12.03.19
